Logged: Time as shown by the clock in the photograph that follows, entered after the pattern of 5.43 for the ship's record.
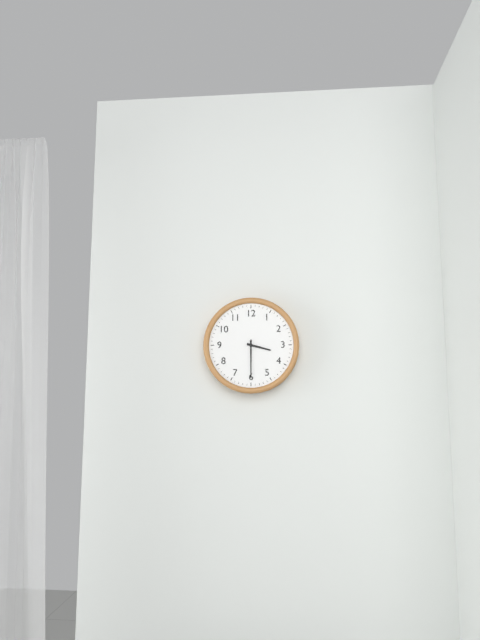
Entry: 3.30
